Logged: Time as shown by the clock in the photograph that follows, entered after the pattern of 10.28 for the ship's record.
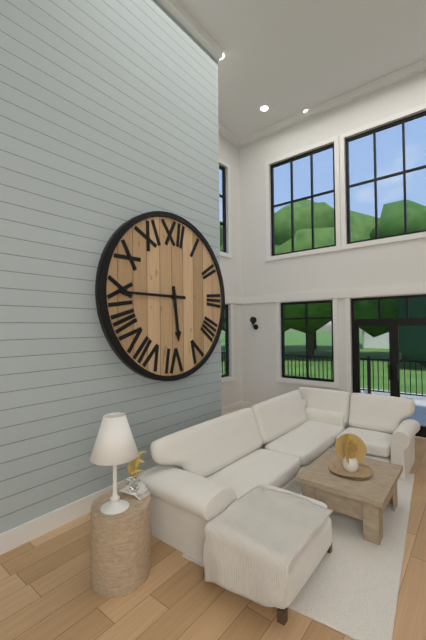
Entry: 5.45
